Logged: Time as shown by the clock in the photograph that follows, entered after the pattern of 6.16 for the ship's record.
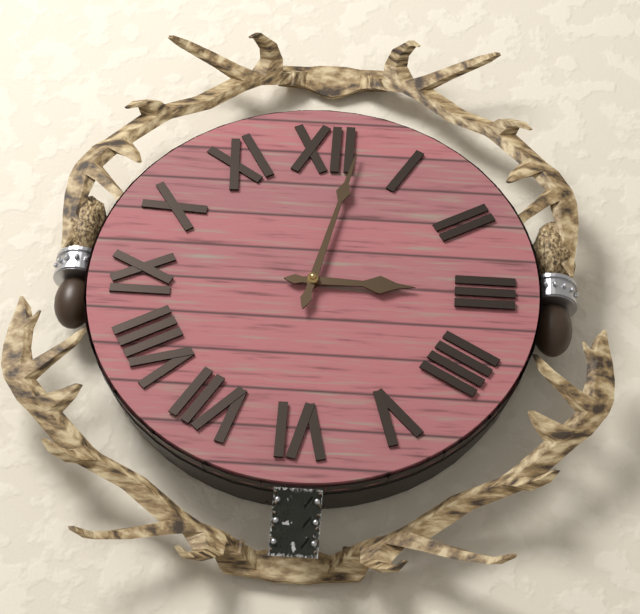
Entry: 3.02
